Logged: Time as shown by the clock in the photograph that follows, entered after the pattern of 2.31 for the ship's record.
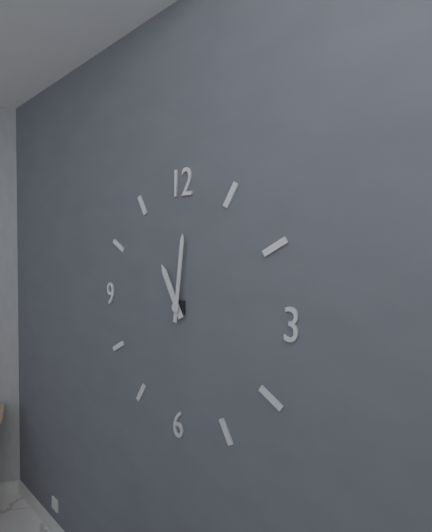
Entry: 11.01
